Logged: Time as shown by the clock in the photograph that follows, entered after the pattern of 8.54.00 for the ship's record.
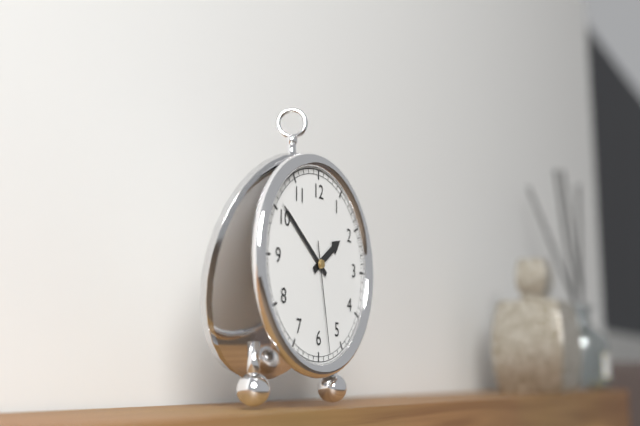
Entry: 1.51.28
